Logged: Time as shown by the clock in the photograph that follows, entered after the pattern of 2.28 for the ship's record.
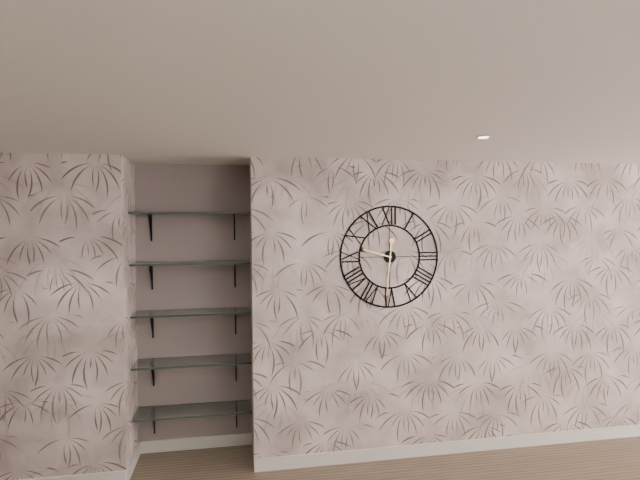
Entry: 9.31
